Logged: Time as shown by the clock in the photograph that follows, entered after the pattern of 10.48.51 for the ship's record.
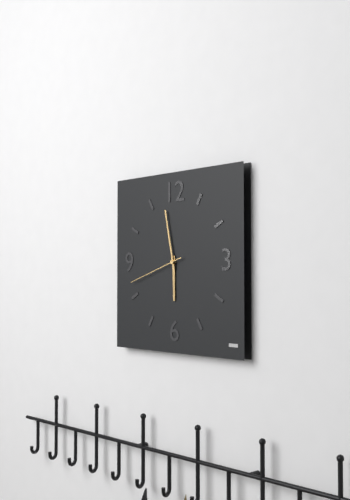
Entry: 5.58.42
